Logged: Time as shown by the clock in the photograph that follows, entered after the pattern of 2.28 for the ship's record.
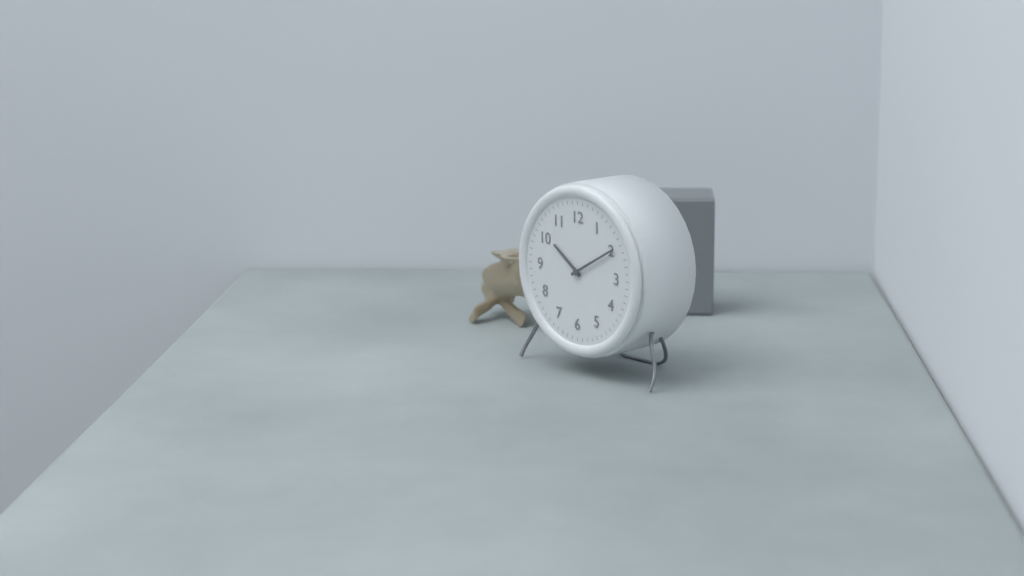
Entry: 10.10
